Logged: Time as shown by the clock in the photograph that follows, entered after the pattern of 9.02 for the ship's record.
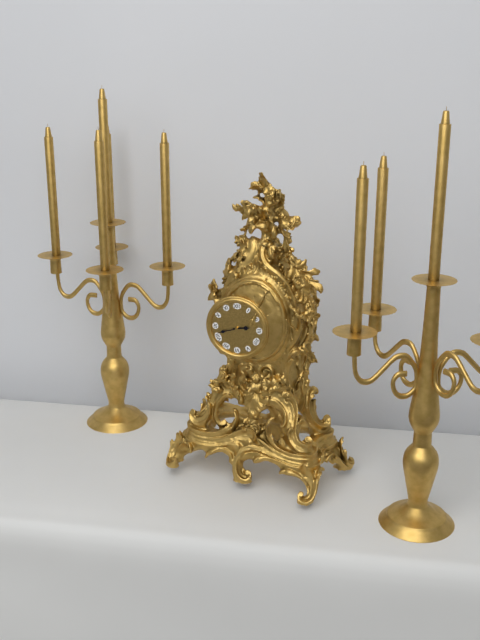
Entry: 2.42
